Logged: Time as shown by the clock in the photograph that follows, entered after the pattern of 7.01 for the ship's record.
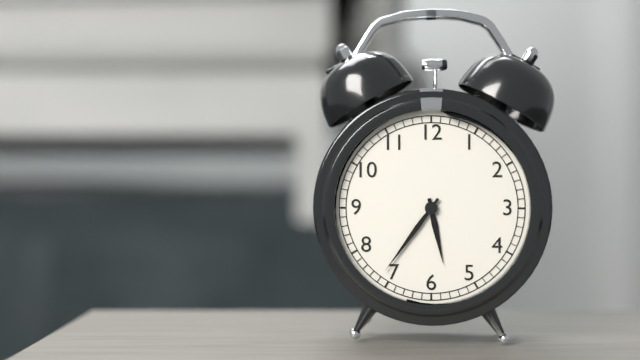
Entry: 5.36
